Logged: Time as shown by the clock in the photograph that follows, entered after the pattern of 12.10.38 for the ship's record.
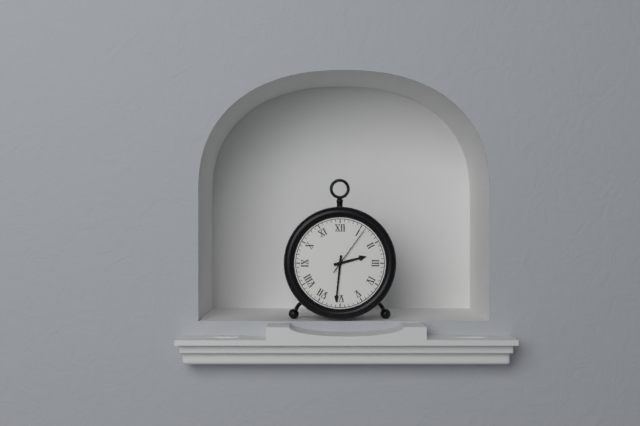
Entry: 2.31.06
